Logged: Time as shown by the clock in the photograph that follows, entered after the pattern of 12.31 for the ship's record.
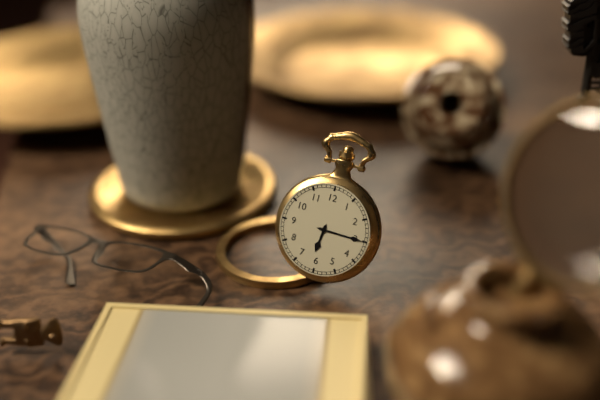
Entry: 6.15
